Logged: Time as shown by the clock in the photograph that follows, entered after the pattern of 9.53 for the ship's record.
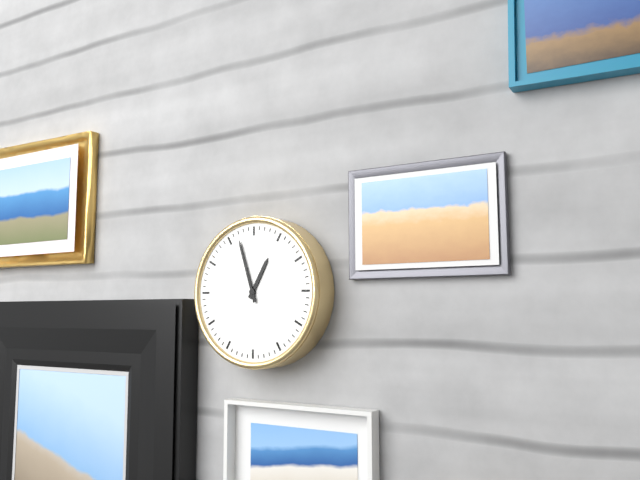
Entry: 12.57
